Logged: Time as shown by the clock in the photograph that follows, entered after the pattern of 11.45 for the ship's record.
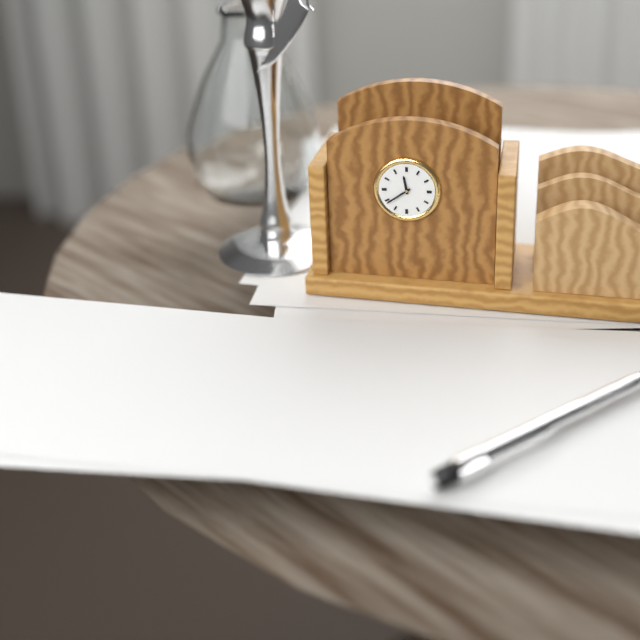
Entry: 11.39
